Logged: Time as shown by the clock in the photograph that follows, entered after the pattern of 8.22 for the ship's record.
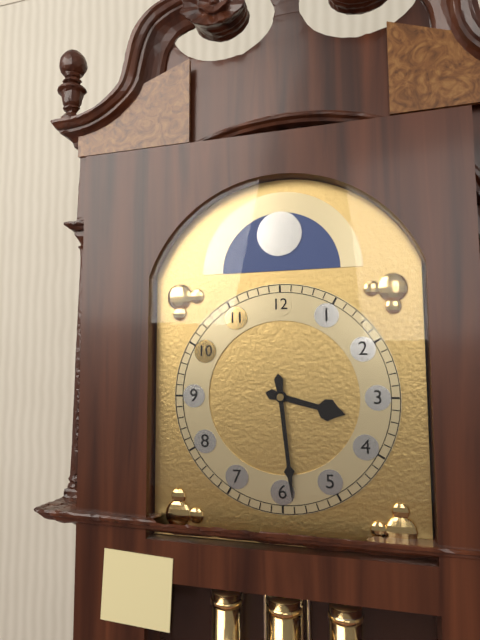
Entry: 3.29
